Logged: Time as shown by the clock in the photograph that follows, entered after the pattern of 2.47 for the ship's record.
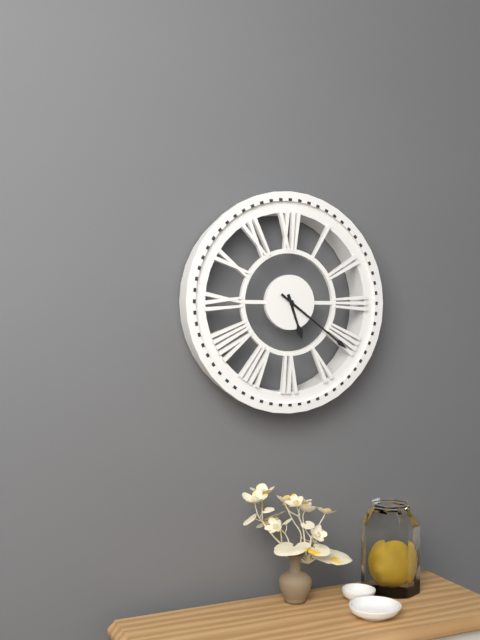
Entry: 5.21
